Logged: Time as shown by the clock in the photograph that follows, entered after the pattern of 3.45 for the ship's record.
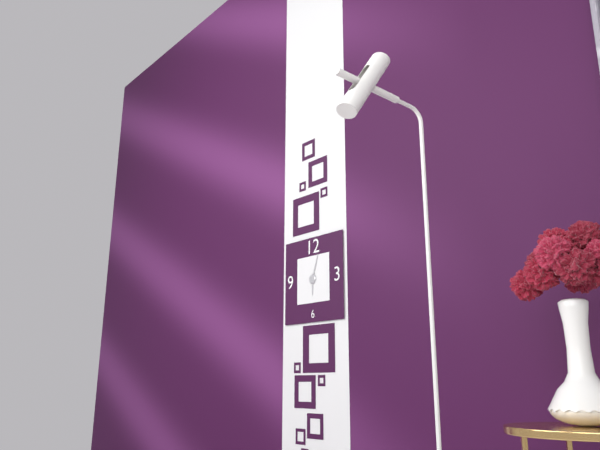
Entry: 6.03
